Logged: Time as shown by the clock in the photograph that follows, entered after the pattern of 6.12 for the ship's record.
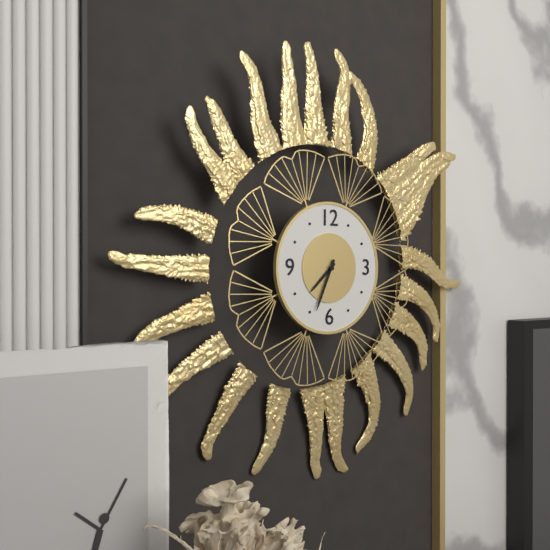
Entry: 7.34
